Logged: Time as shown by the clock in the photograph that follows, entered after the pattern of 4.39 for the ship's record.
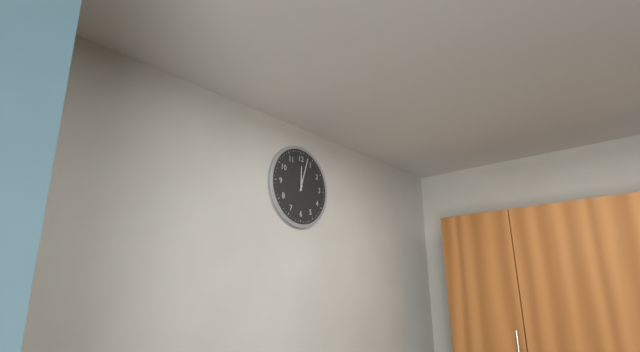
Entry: 12.03
